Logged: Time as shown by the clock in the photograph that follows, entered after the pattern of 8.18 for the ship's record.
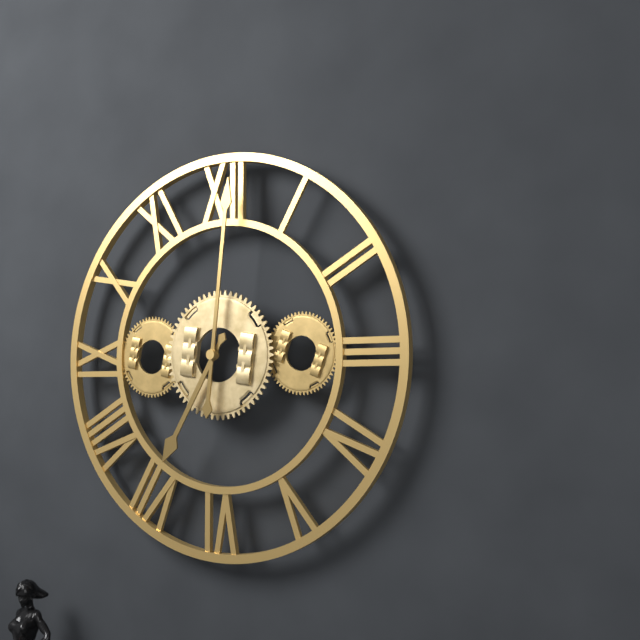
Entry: 7.01
